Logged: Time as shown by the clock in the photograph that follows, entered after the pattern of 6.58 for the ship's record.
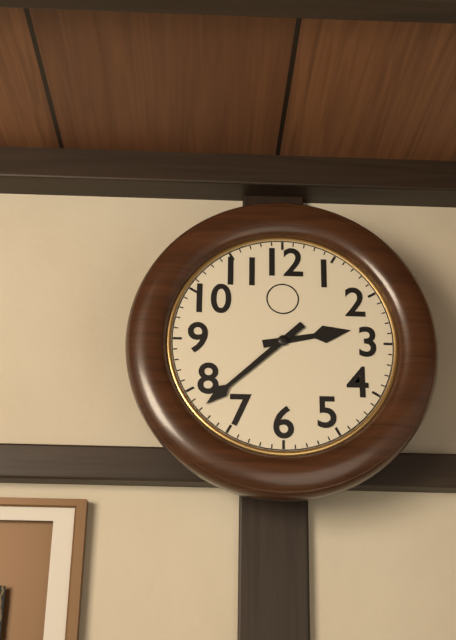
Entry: 2.38
